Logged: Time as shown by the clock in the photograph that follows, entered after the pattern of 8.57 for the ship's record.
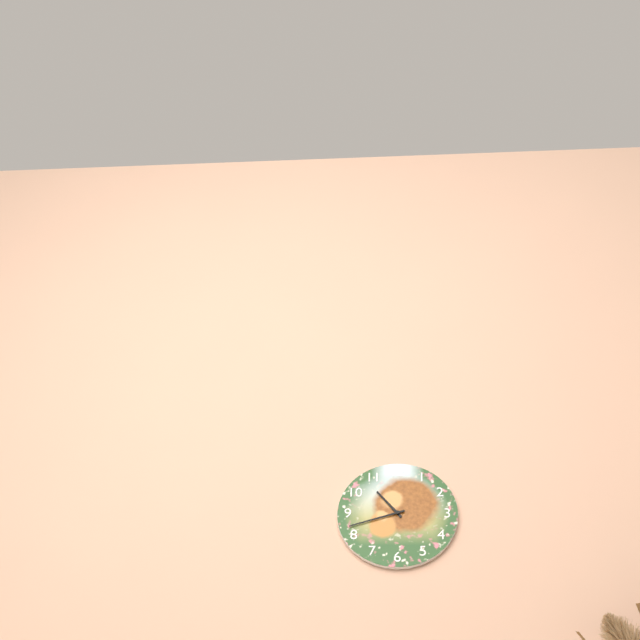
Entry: 10.42
